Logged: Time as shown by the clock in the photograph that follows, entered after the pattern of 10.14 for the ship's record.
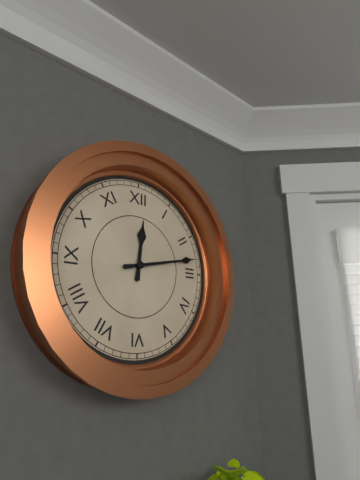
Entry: 12.13
